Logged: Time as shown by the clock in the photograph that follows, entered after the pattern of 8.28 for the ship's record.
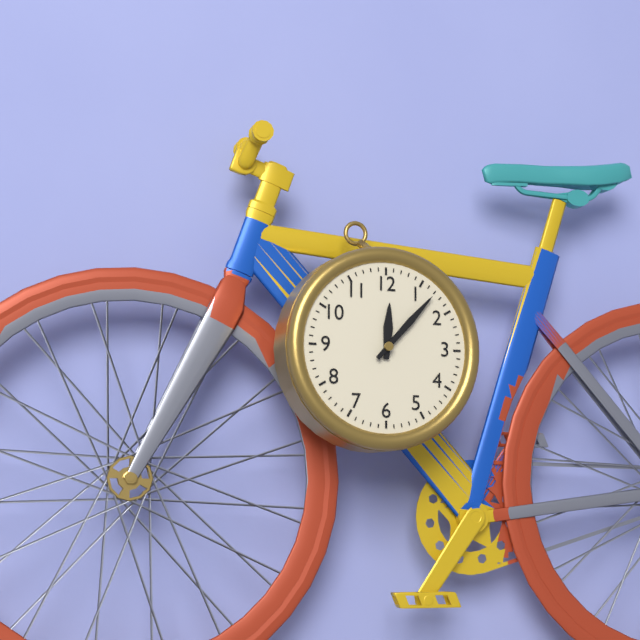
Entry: 12.07
